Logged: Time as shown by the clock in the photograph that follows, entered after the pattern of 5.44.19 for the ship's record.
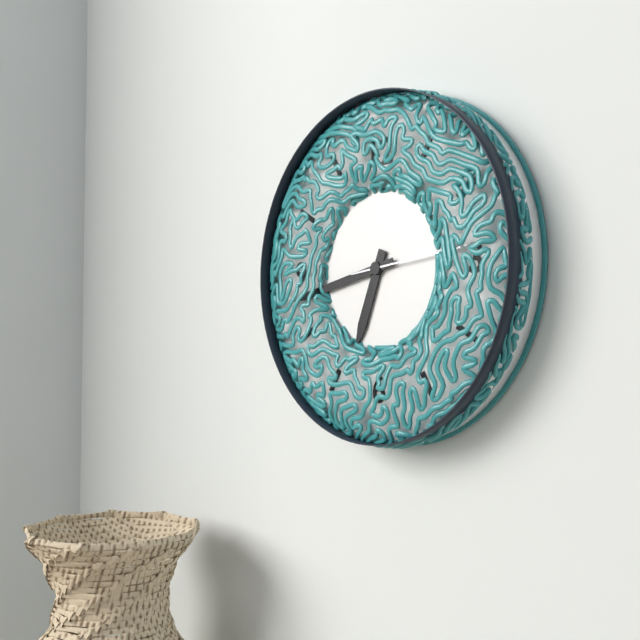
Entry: 6.43.14
